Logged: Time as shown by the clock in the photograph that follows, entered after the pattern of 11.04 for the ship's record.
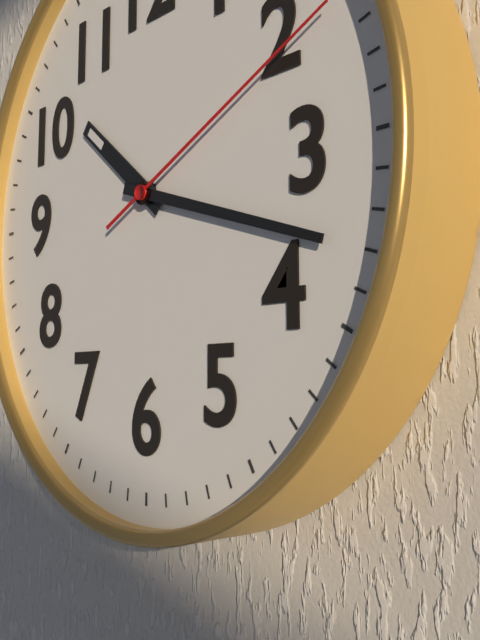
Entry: 10.18
